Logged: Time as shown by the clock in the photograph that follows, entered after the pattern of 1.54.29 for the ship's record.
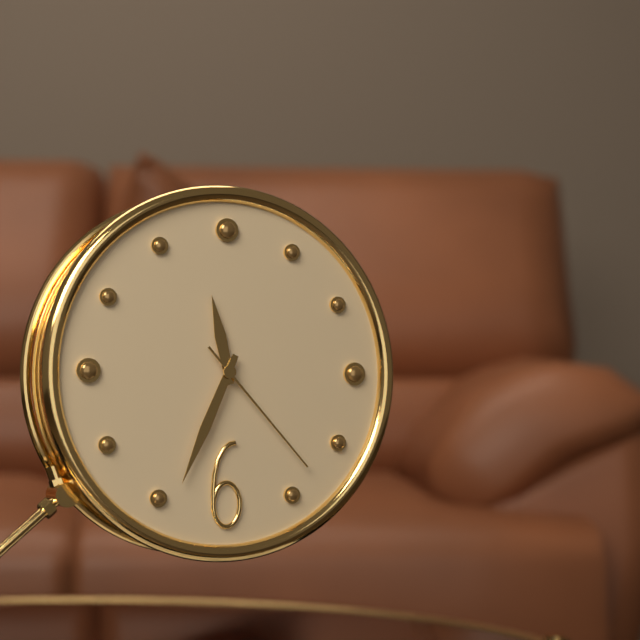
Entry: 11.34.23
